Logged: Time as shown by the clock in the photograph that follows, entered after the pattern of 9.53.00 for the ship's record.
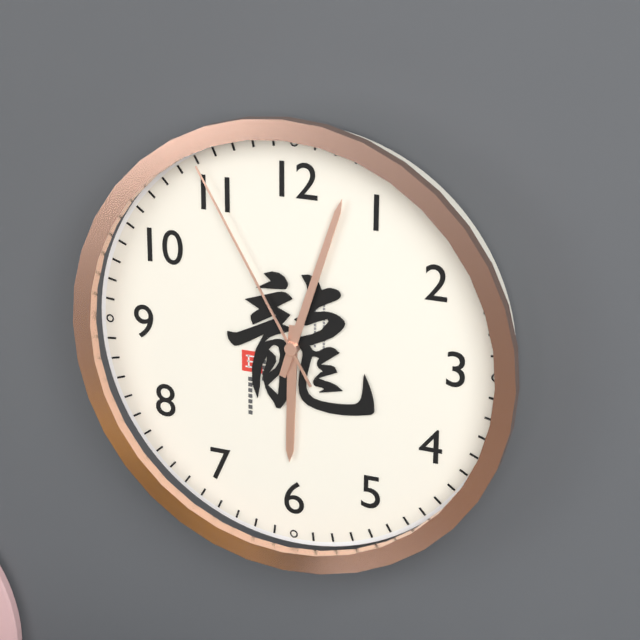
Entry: 6.03.55
